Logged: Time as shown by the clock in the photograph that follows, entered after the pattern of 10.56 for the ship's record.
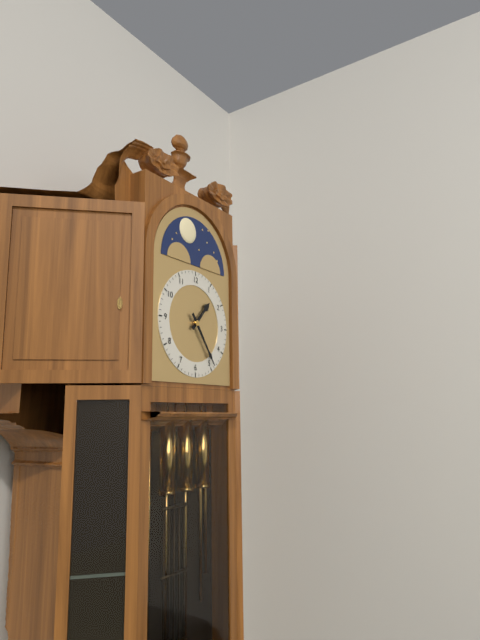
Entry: 1.24
